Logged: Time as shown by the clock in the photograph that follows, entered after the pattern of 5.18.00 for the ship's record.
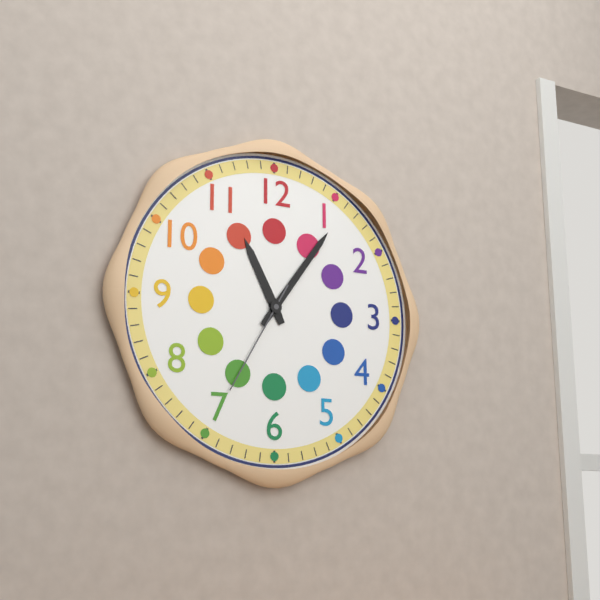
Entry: 11.06.35
